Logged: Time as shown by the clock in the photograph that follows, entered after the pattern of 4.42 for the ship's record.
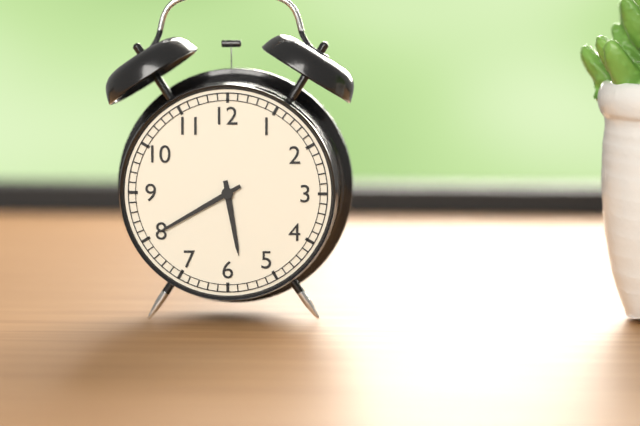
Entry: 5.40
